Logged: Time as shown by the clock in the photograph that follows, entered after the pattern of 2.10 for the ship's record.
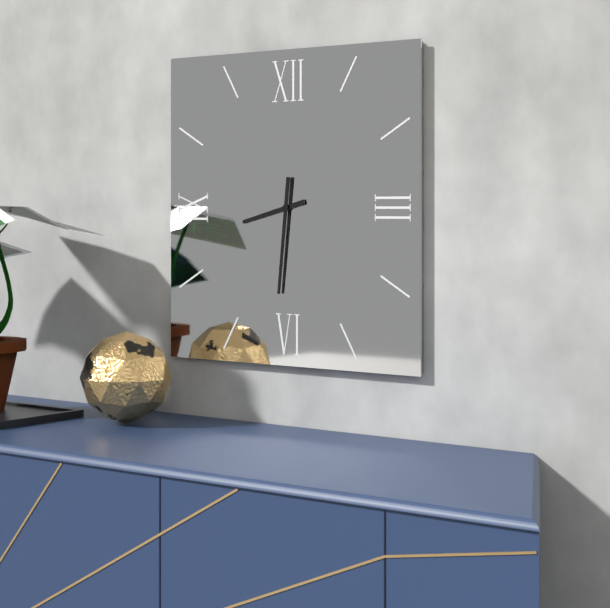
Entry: 8.31
